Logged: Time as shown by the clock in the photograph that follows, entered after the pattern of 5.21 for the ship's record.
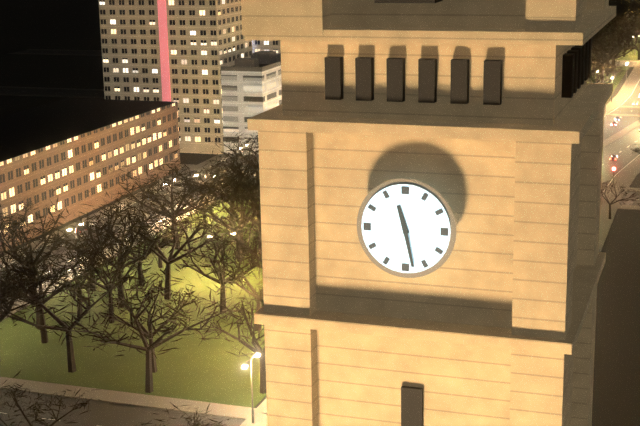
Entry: 11.28
